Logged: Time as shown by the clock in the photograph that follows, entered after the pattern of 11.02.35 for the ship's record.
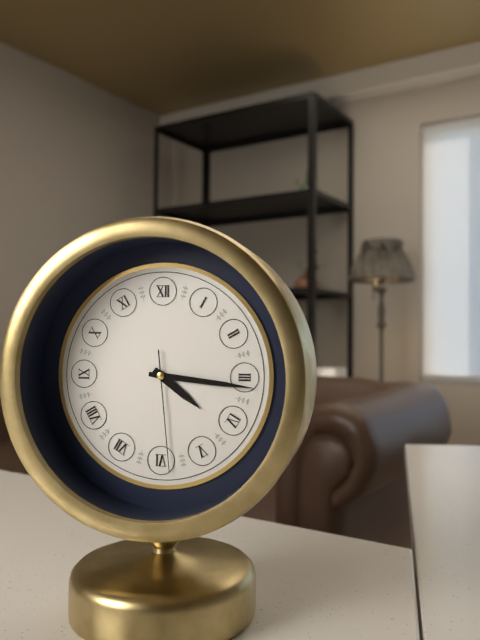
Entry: 4.16.29
